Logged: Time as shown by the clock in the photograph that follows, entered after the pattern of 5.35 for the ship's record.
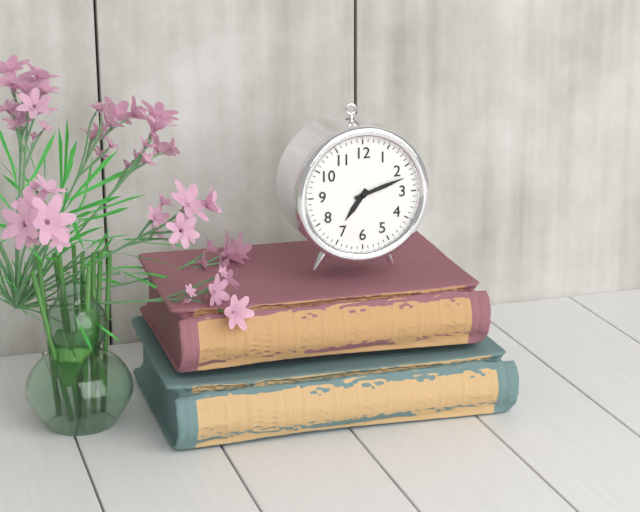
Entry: 7.12
